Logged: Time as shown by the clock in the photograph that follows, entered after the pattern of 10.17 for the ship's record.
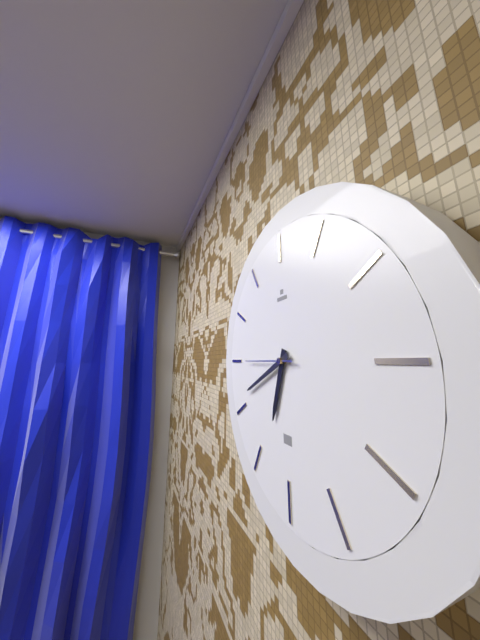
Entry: 6.41
